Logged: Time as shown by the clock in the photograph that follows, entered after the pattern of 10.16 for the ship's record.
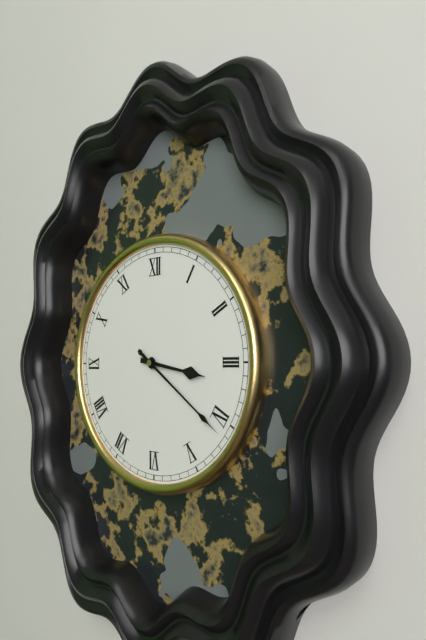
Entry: 3.21
